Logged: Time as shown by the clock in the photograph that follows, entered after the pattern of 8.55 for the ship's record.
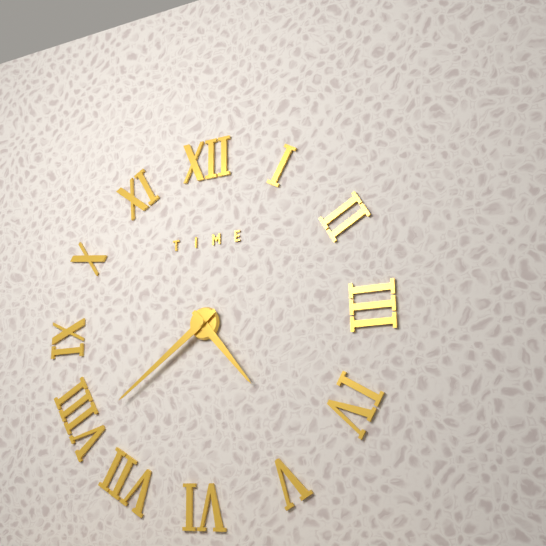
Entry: 4.39
